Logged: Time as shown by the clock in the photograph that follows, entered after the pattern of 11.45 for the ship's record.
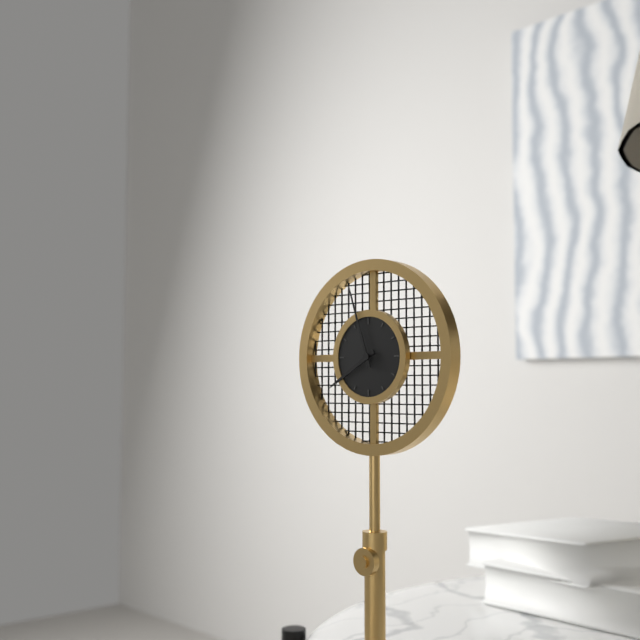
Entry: 7.57
